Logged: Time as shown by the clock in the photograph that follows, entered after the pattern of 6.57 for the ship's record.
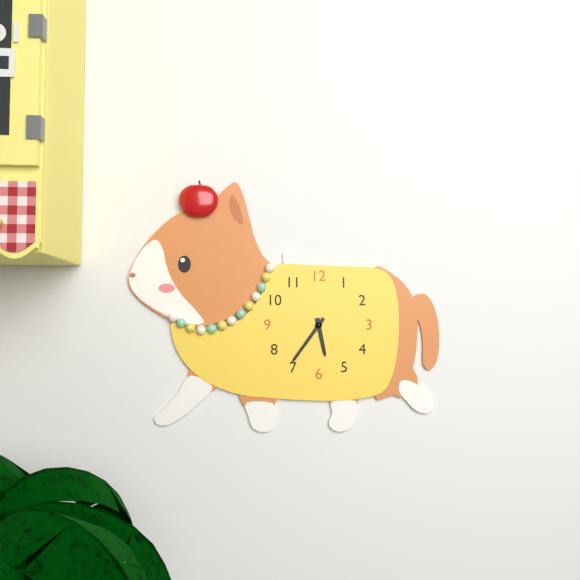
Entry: 5.36
